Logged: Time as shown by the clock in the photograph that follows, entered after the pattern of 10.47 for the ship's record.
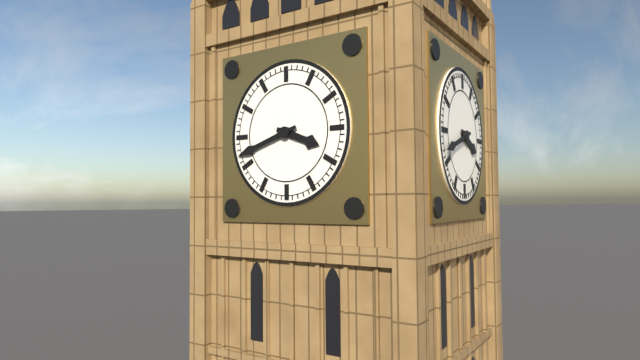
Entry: 3.42
